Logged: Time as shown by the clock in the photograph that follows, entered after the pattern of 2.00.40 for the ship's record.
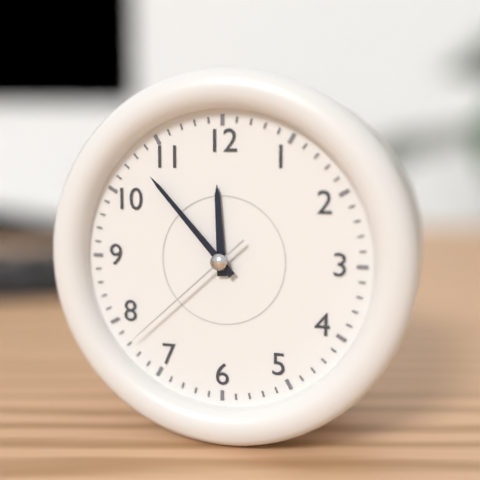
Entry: 11.53.38
